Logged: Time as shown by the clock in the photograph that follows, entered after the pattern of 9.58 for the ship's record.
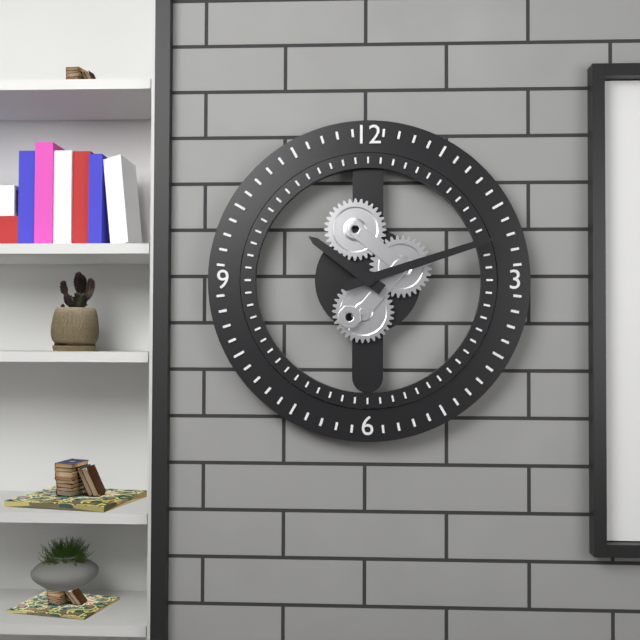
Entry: 10.12
